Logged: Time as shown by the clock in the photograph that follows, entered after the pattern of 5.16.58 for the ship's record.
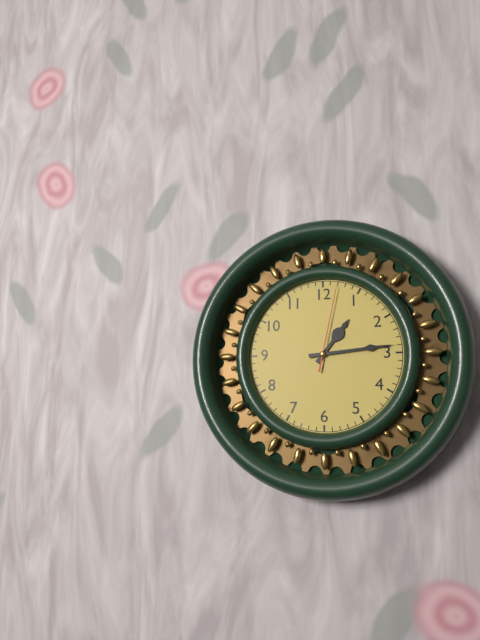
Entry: 1.14.02
